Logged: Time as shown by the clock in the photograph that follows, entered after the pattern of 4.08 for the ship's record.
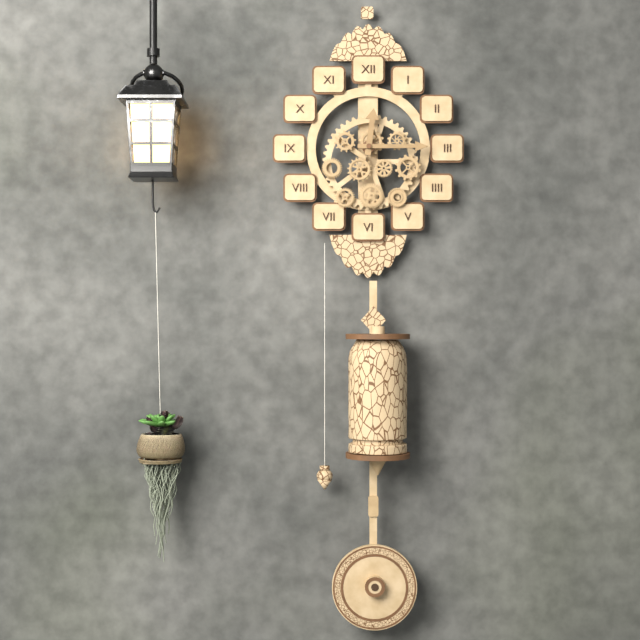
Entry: 12.15
